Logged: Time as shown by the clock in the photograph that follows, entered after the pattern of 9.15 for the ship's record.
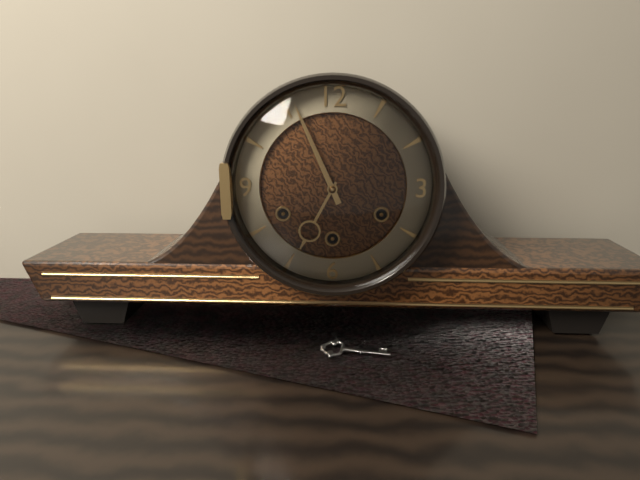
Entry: 6.56
